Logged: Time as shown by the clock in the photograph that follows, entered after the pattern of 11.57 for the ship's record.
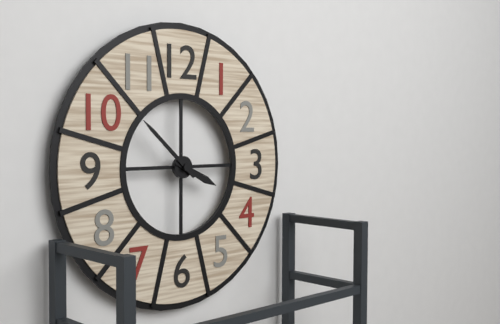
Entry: 3.52
